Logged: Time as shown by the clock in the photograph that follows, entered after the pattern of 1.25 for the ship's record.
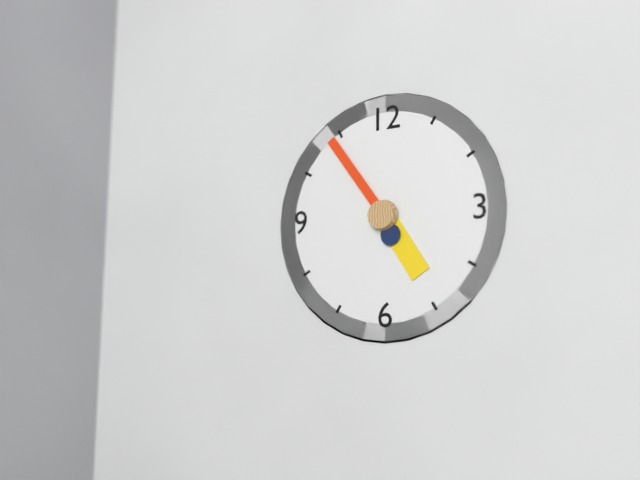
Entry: 4.54
